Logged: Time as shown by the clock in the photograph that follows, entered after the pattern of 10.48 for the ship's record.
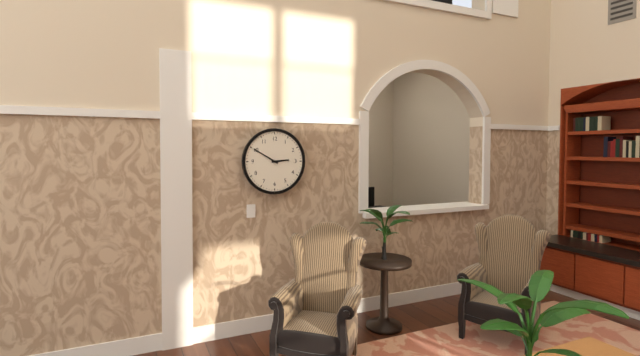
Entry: 2.50
